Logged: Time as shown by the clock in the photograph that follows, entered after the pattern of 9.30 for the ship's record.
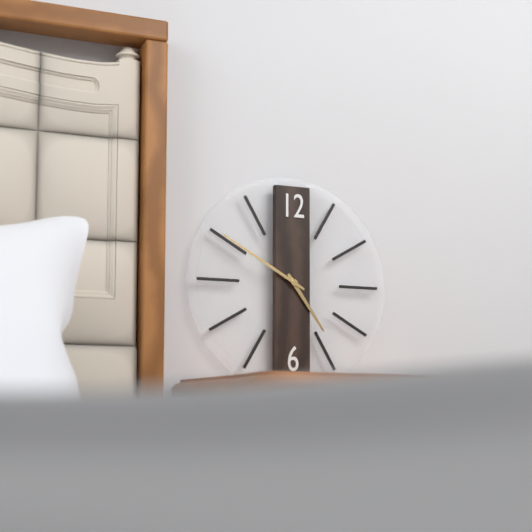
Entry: 4.50
